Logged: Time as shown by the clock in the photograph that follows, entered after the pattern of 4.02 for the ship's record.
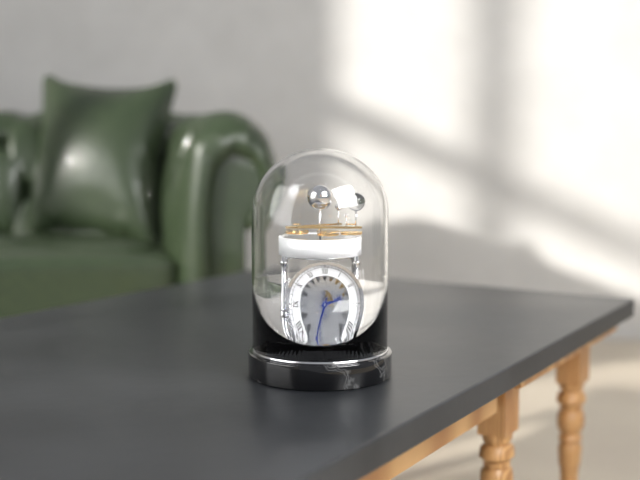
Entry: 2.34
